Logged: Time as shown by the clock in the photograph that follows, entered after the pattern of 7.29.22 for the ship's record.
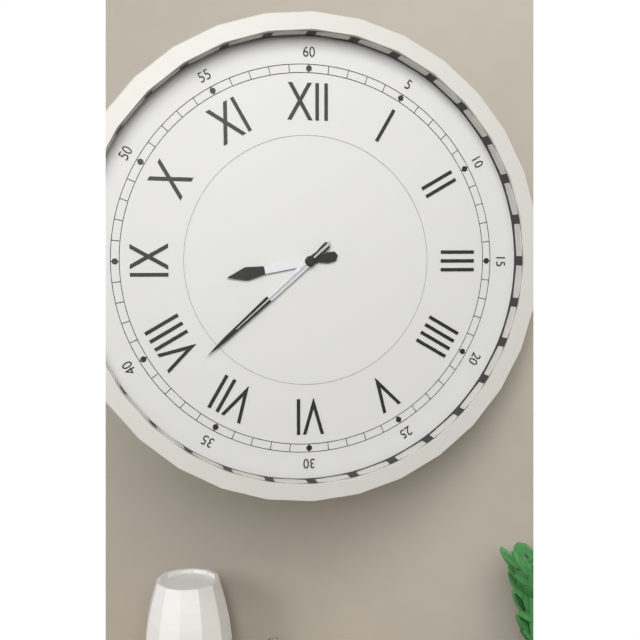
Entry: 8.38.38
